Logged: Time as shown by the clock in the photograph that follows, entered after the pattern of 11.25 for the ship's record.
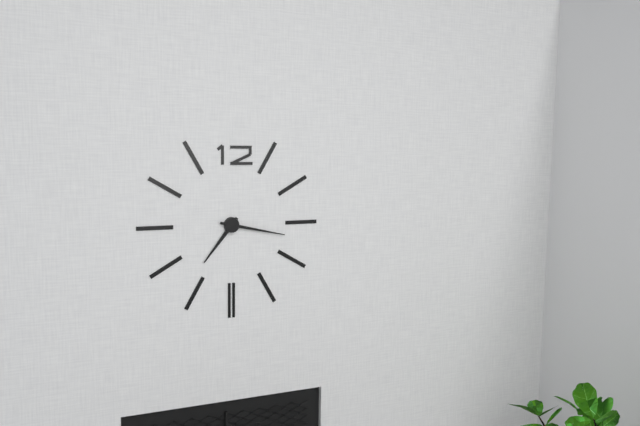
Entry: 7.17
